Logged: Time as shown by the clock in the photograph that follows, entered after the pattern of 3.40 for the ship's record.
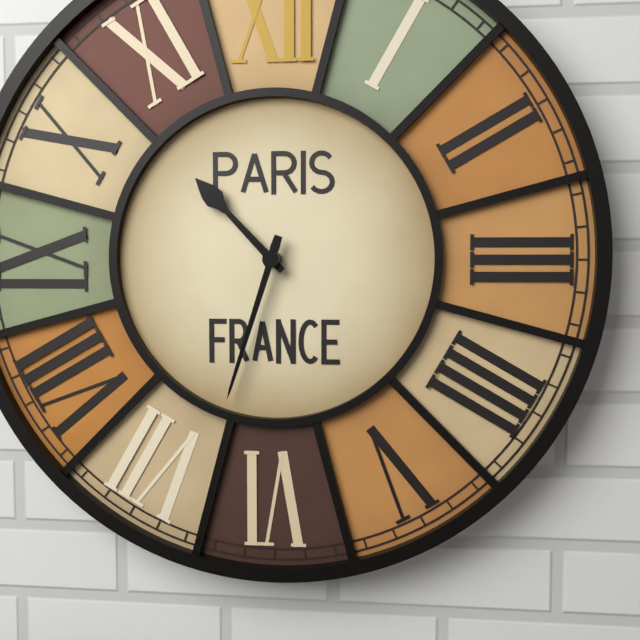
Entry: 10.33
